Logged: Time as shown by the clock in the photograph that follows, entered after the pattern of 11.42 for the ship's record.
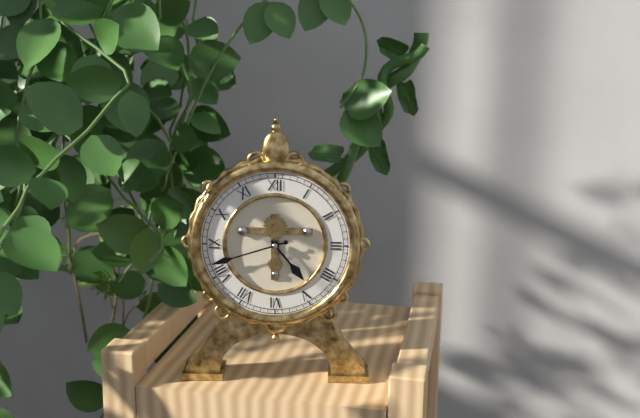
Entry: 4.42
